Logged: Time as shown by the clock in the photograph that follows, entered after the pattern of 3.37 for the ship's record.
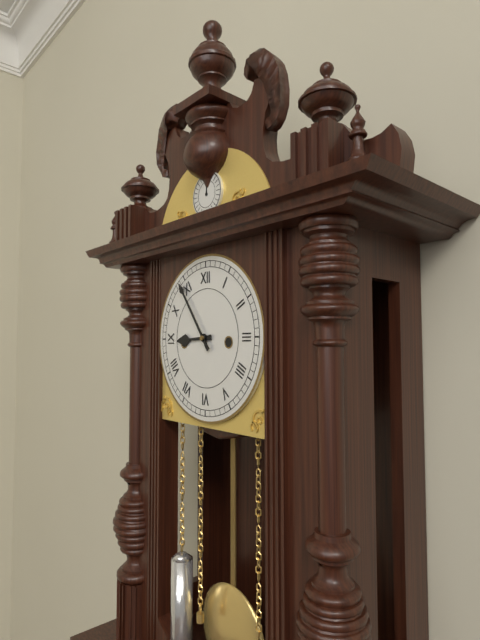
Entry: 8.54
